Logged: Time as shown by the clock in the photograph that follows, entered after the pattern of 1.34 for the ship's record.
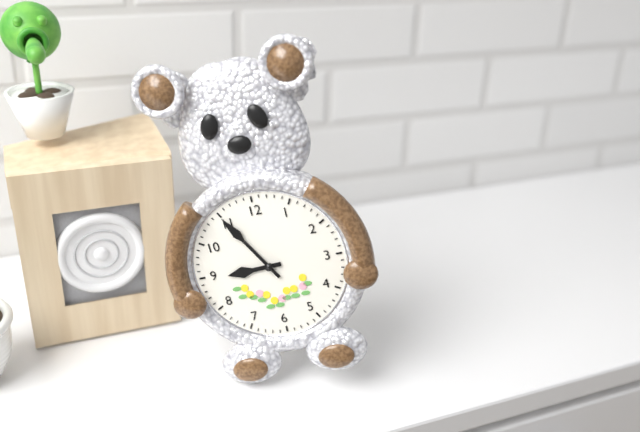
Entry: 8.55
